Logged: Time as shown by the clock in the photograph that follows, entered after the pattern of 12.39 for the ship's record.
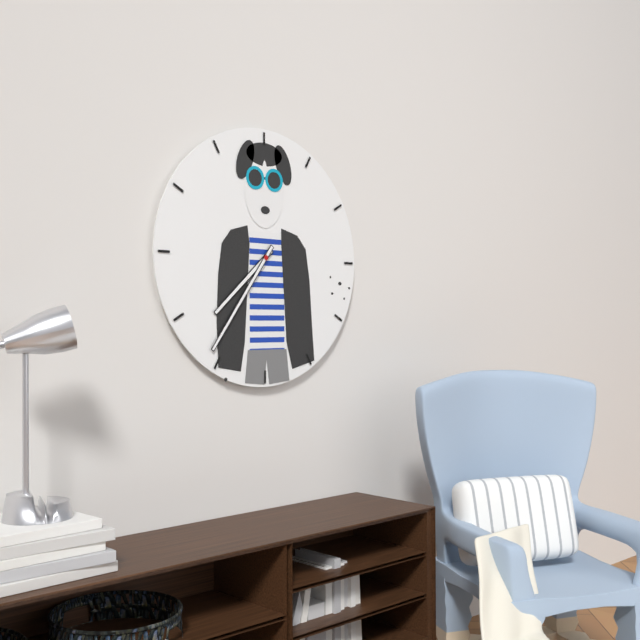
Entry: 7.36
